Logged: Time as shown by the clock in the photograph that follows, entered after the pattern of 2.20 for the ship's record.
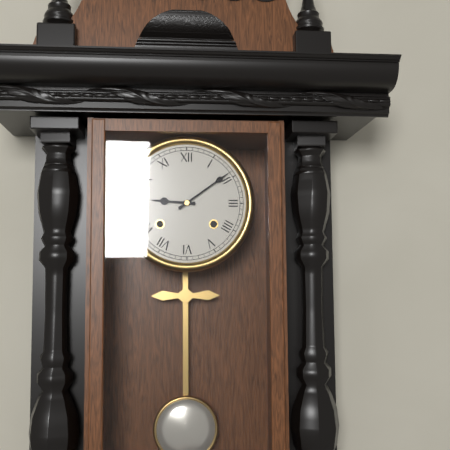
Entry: 9.09
